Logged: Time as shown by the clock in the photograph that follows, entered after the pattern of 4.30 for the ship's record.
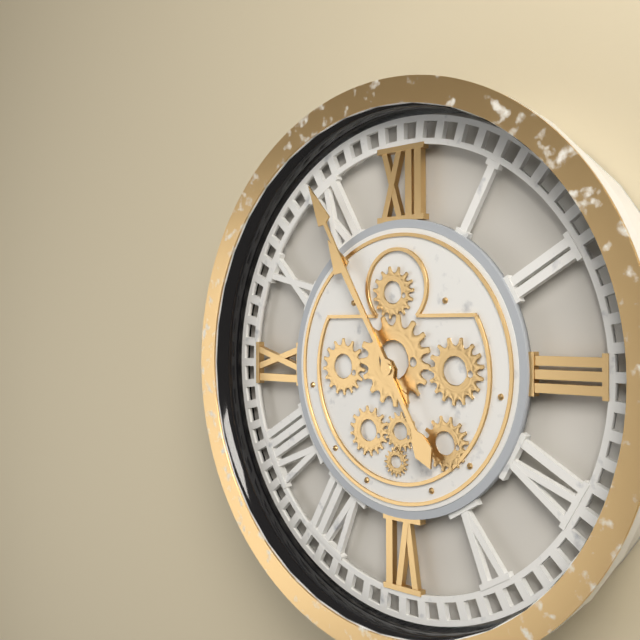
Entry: 10.55
